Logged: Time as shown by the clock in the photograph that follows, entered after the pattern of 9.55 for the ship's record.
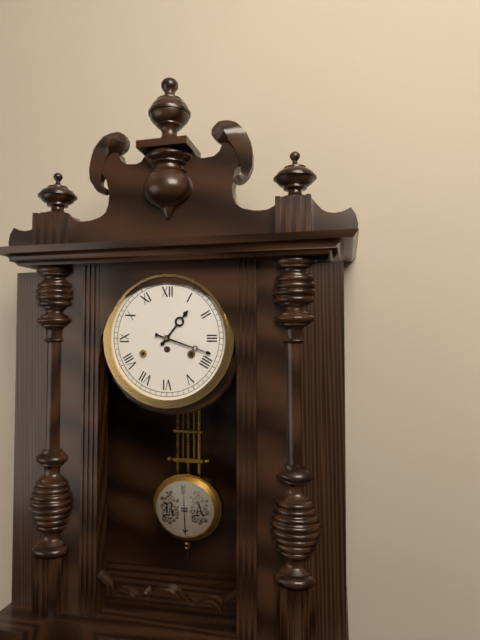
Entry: 1.18
